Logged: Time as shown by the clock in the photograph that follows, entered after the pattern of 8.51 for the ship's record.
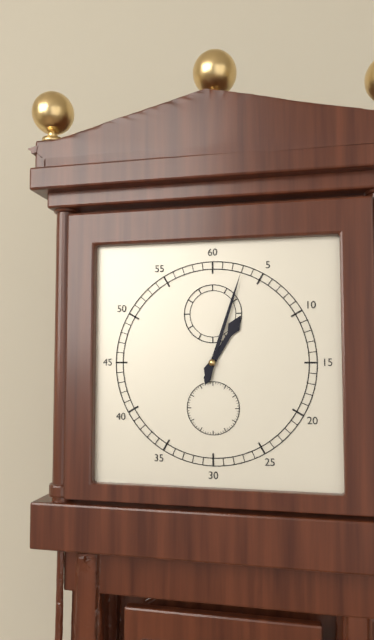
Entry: 1.03
